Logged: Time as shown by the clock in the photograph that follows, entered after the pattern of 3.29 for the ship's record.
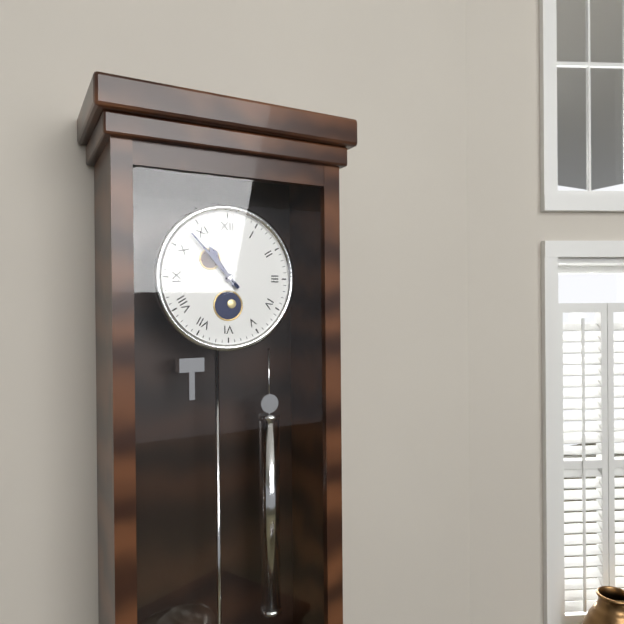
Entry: 10.53
